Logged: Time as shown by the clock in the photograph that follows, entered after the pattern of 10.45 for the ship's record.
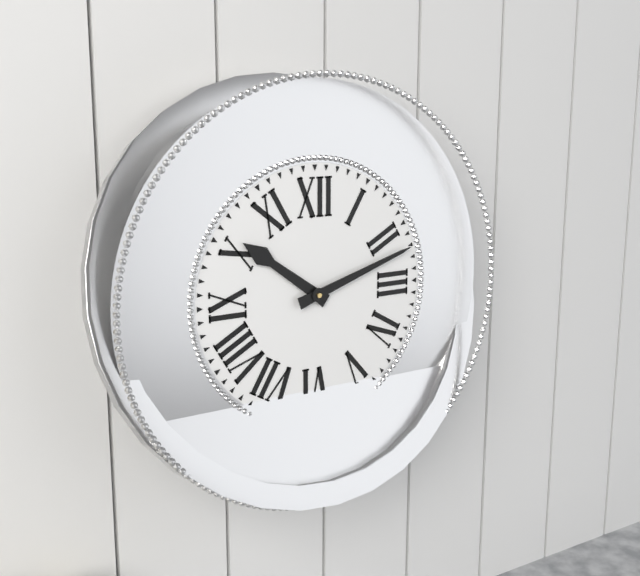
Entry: 10.12
